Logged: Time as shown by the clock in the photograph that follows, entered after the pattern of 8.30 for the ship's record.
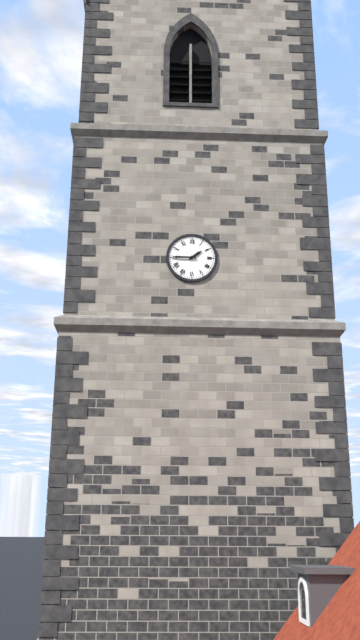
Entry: 1.45
